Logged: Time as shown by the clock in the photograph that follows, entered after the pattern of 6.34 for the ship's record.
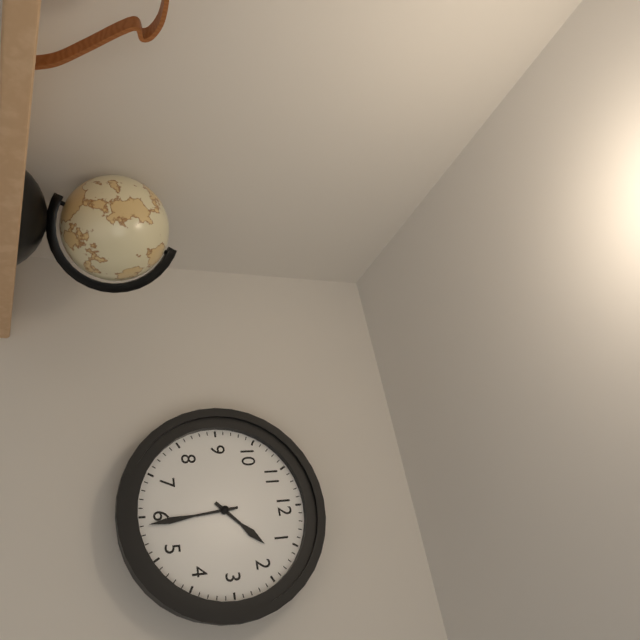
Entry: 1.29
